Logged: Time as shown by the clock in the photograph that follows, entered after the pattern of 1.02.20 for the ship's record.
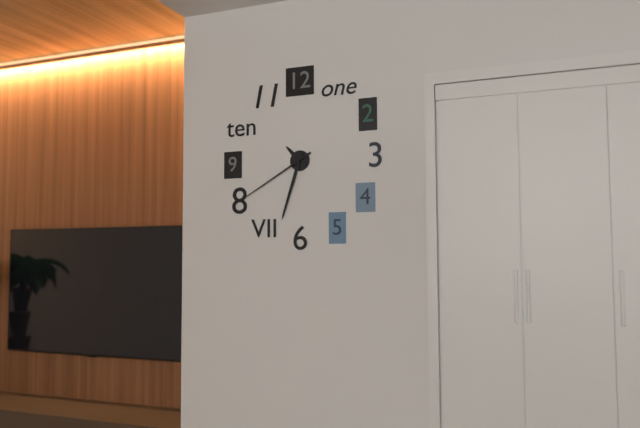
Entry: 10.33.40
